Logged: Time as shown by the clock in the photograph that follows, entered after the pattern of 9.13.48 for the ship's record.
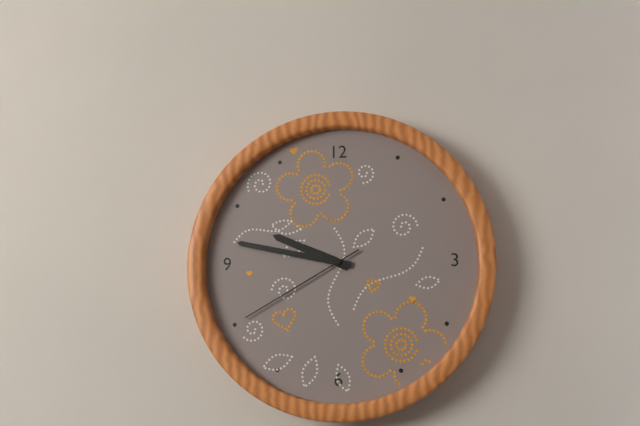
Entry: 9.47.40
